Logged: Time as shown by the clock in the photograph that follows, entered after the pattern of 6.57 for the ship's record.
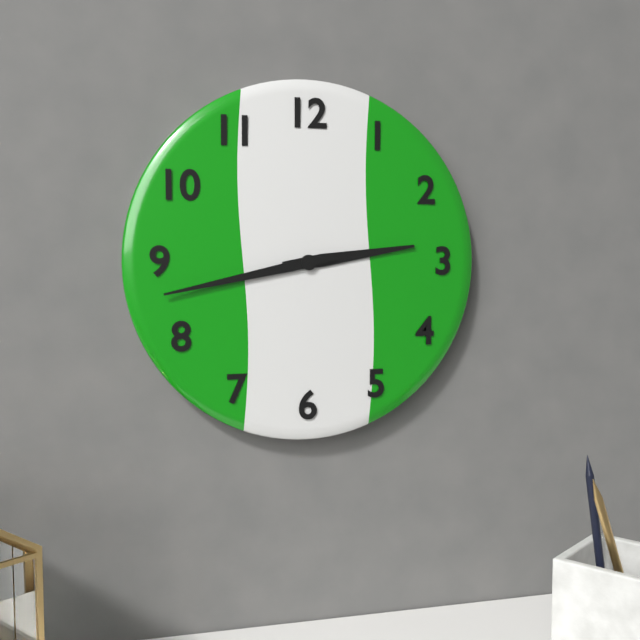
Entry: 2.43
